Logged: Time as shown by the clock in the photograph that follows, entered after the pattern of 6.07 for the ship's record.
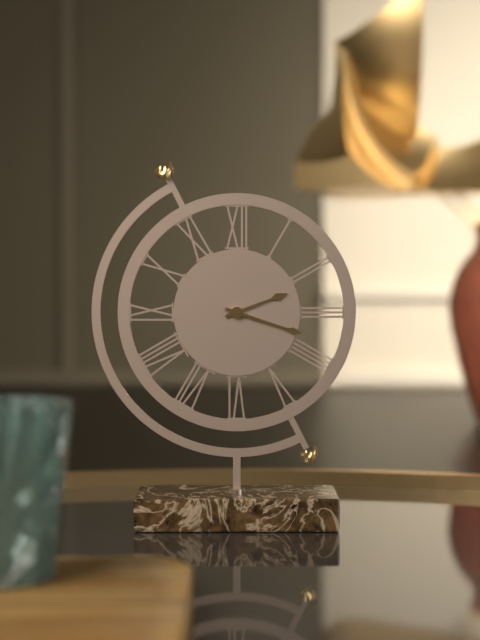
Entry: 2.18
